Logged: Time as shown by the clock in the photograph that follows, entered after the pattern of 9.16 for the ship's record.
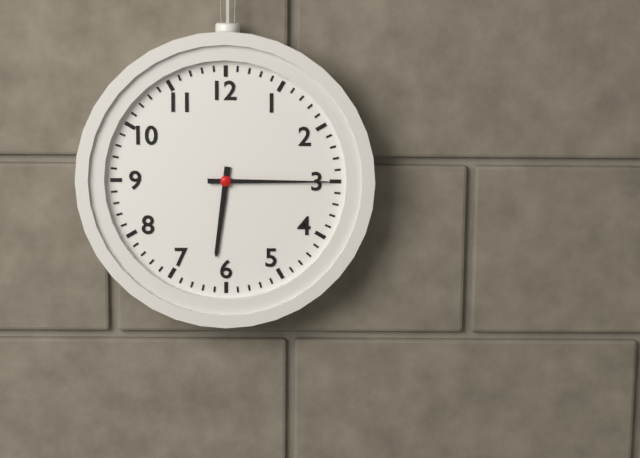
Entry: 6.15
